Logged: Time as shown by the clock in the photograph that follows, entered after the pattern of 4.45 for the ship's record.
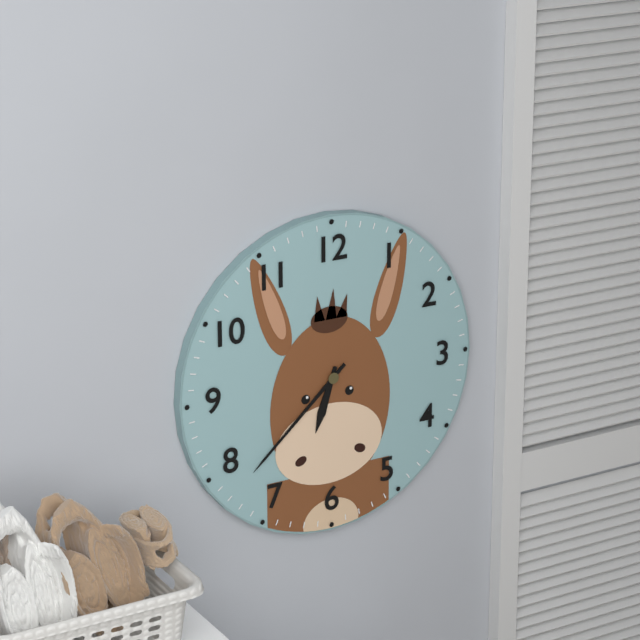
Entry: 6.38
